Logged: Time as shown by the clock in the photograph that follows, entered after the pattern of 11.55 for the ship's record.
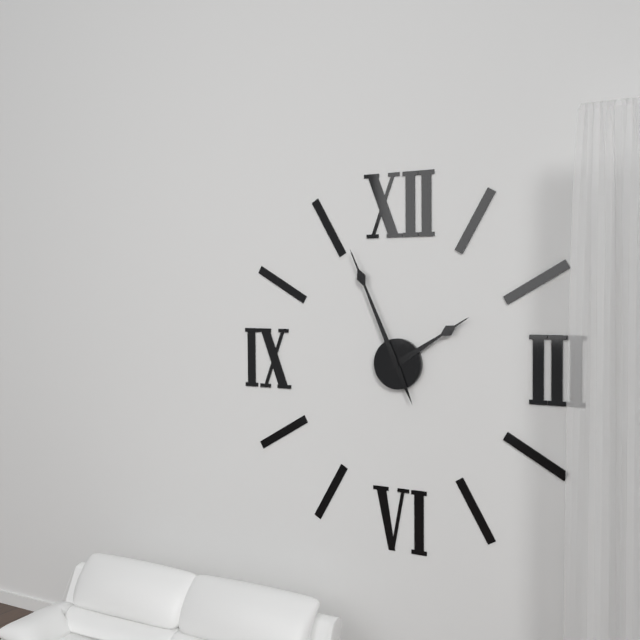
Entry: 1.56
